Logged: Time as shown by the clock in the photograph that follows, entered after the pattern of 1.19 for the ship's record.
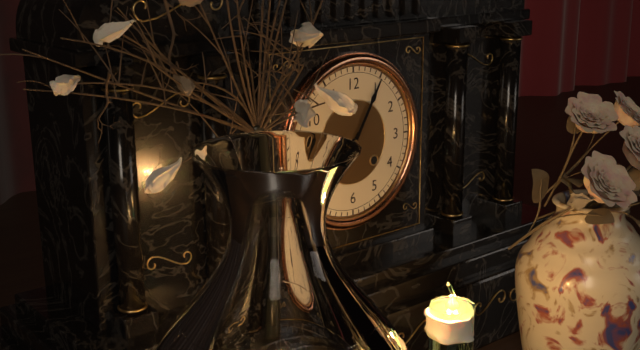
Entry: 7.05
